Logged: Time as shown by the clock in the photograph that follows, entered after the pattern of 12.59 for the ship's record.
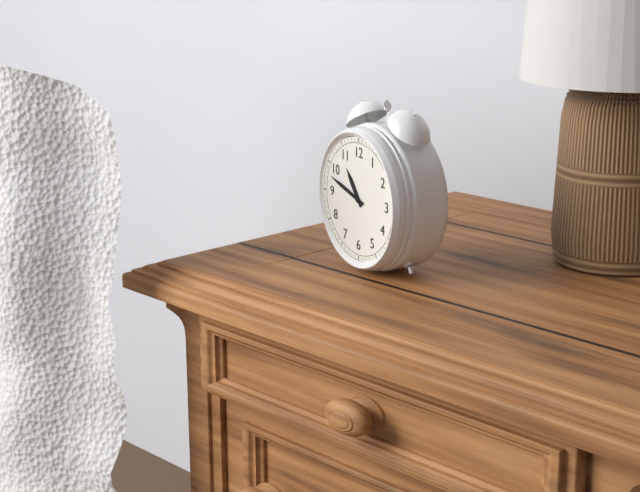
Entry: 10.48
